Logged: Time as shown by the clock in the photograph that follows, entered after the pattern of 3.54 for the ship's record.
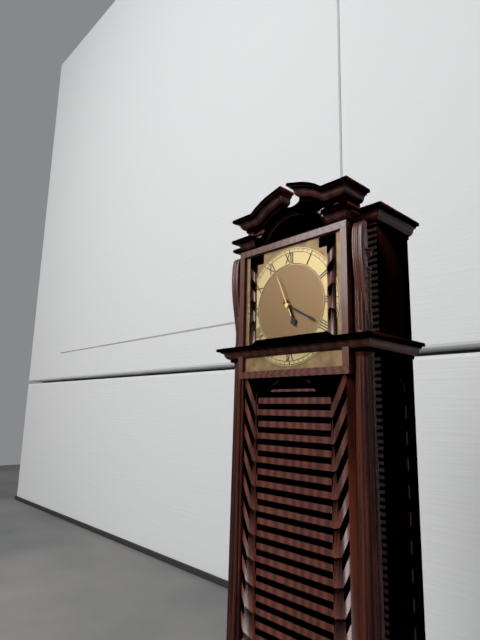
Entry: 5.20
